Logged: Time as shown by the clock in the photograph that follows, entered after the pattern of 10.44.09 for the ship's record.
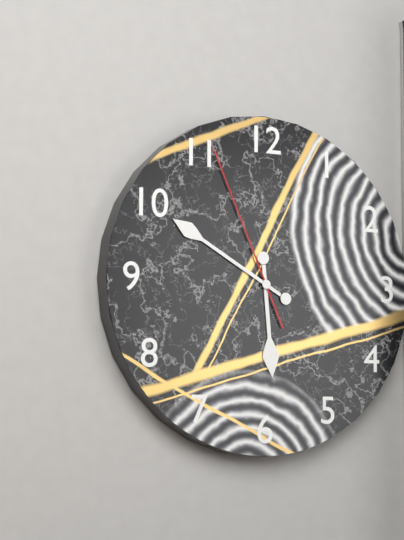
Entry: 5.50.56
